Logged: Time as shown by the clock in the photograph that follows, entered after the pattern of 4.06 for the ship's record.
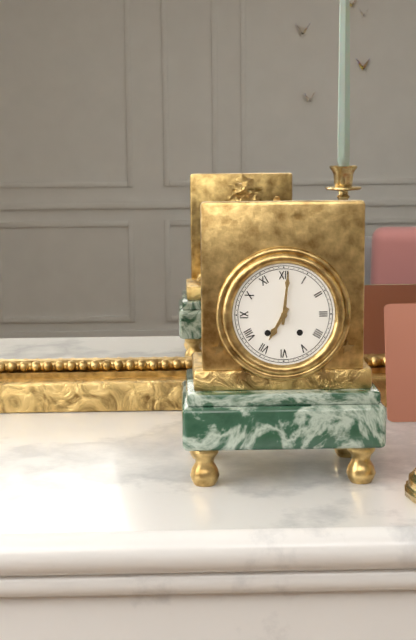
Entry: 7.01
